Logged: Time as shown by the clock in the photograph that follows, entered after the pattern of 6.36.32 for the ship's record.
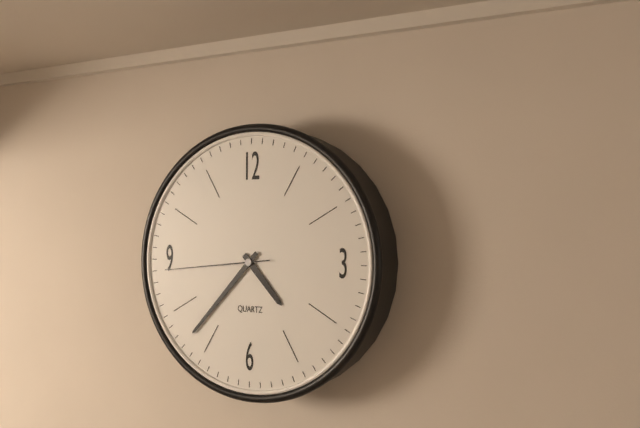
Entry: 4.37.44
